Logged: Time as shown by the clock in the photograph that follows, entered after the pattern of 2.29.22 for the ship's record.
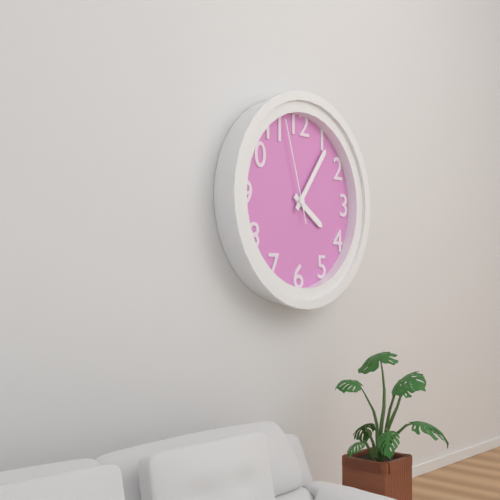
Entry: 4.06.57
